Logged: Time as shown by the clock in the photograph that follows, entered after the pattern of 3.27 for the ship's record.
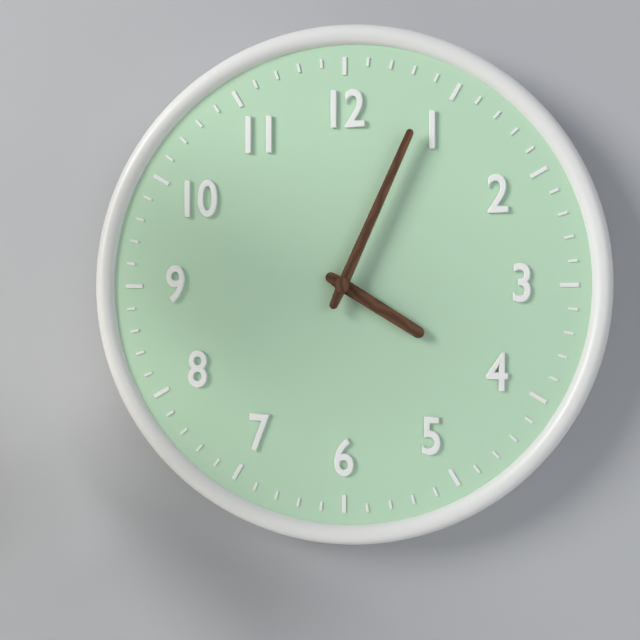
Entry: 4.04
